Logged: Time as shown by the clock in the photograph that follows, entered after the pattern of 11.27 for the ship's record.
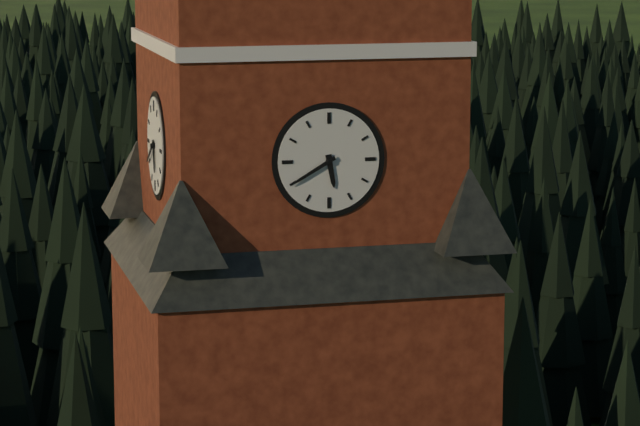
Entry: 5.40
